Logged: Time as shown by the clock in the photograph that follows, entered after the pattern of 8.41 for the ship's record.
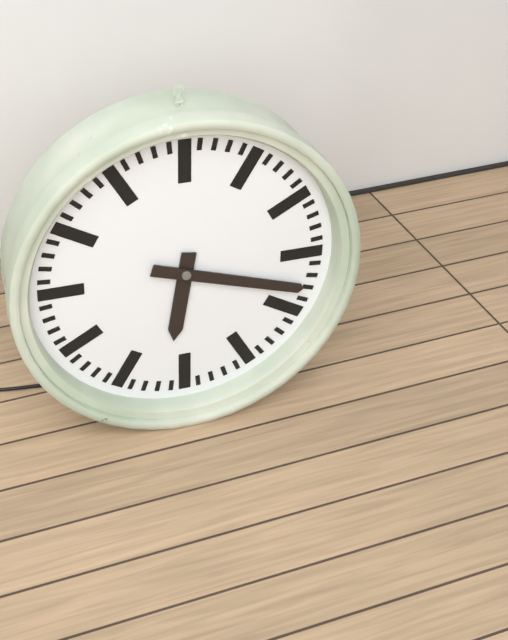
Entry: 6.18
